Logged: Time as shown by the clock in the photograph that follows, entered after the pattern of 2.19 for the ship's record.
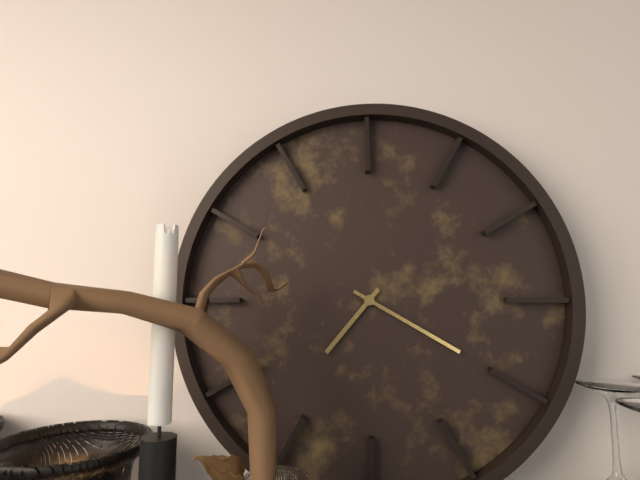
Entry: 7.20
